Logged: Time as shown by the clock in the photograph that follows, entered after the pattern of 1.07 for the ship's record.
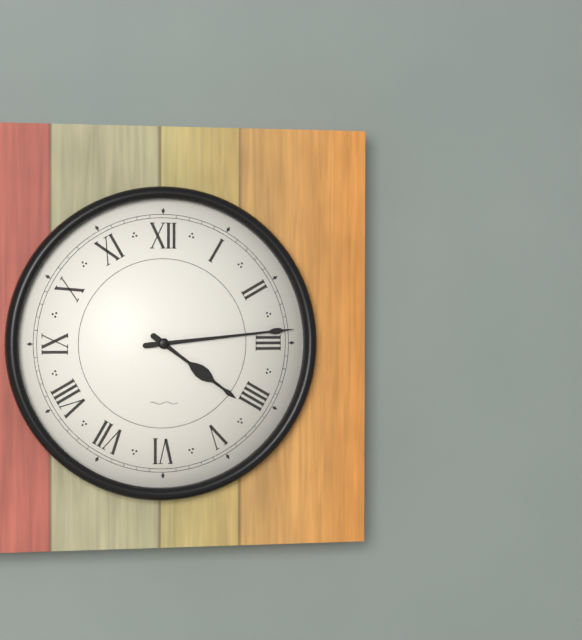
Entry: 4.14
